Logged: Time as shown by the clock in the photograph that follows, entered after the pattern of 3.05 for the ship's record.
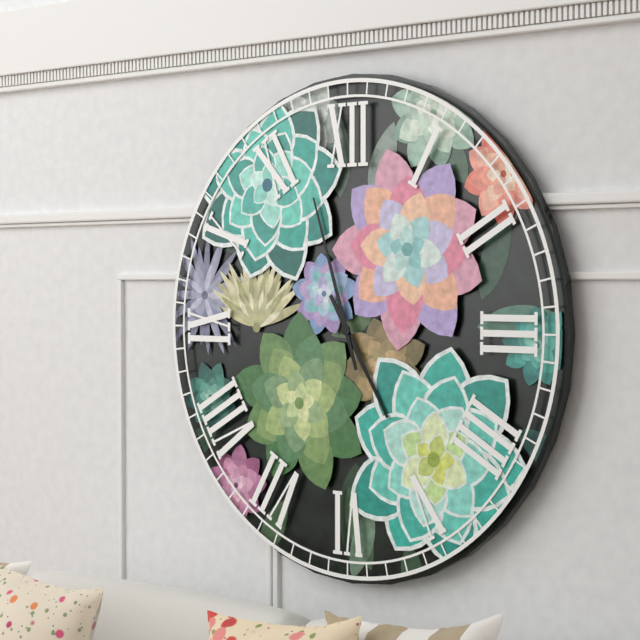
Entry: 4.57
